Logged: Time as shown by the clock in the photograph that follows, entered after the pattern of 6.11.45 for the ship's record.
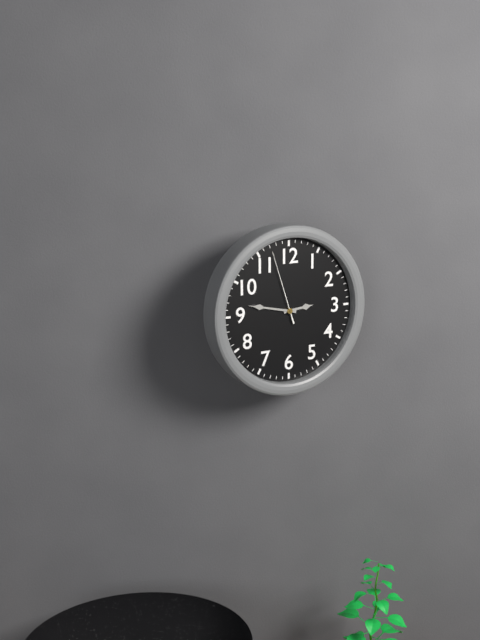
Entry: 2.47.57
